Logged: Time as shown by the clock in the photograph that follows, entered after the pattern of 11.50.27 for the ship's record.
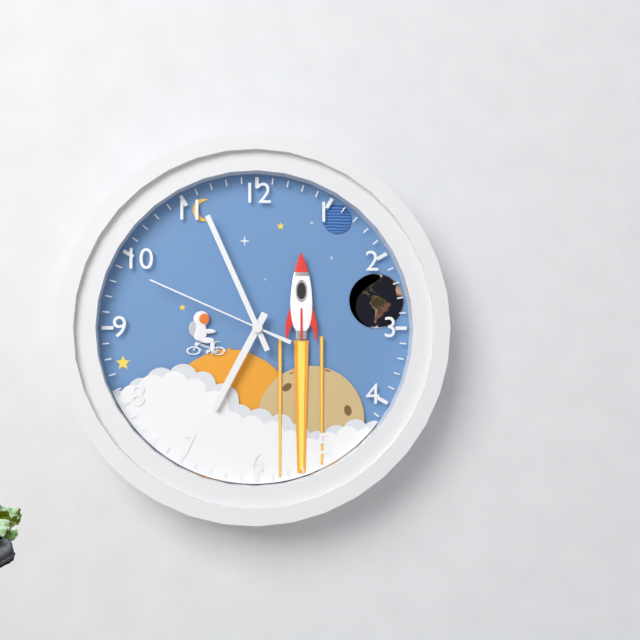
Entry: 6.56.49
